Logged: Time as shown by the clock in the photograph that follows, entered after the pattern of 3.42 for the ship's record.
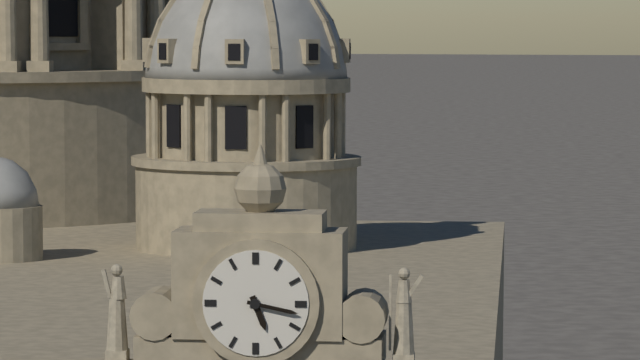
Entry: 5.17
